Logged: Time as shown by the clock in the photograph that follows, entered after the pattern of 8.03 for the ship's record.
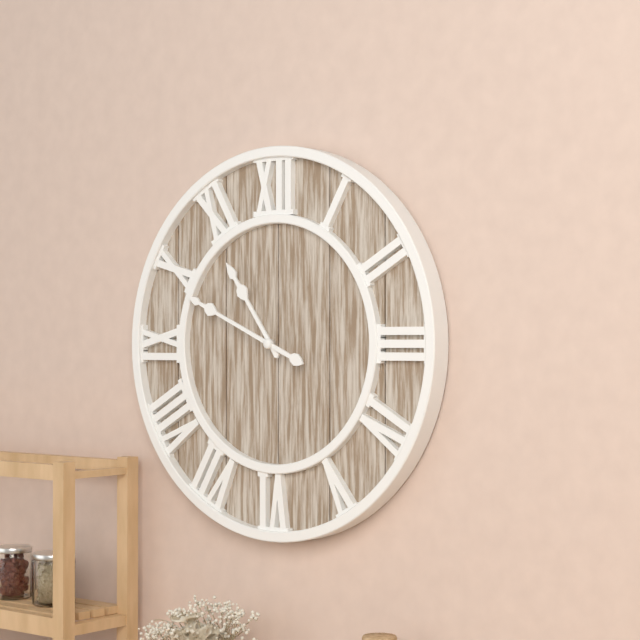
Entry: 10.49
